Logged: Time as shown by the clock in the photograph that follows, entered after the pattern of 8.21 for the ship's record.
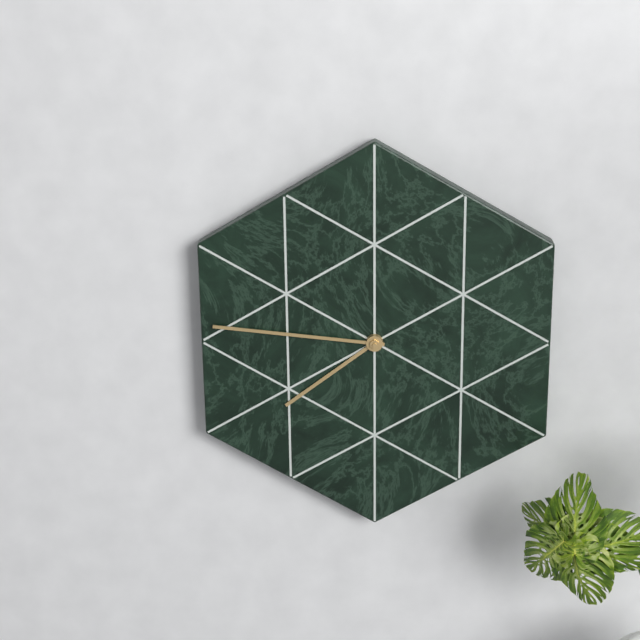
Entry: 7.46
